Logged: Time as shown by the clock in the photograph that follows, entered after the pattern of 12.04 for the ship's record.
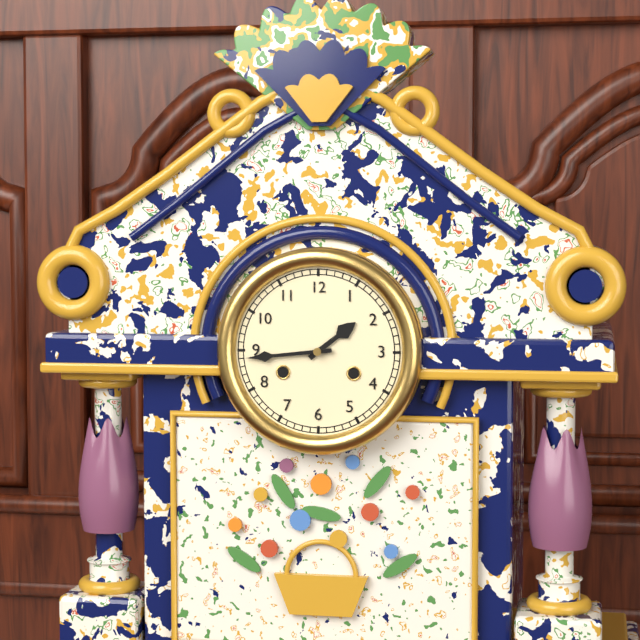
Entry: 1.44
